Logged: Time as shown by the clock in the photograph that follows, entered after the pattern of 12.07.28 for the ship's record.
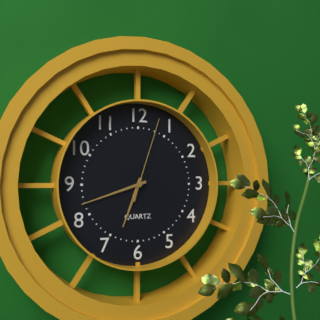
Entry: 6.42.03
